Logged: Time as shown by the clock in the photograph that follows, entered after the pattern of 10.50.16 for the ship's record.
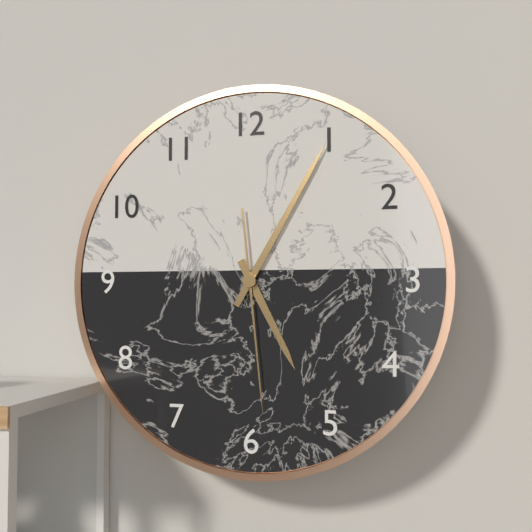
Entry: 5.05.29
